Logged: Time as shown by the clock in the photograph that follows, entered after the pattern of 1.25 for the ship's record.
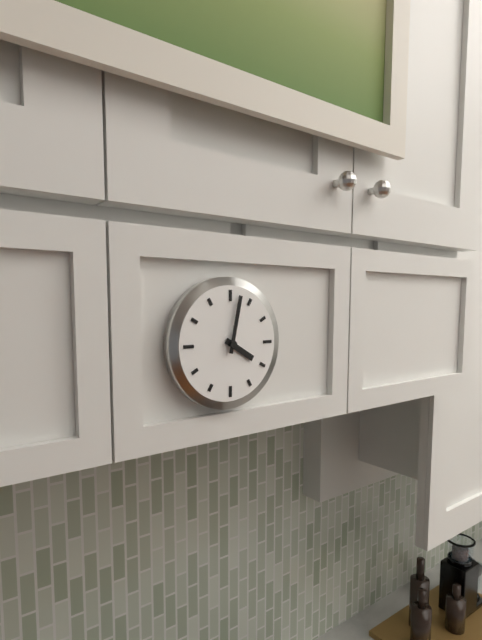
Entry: 4.02
